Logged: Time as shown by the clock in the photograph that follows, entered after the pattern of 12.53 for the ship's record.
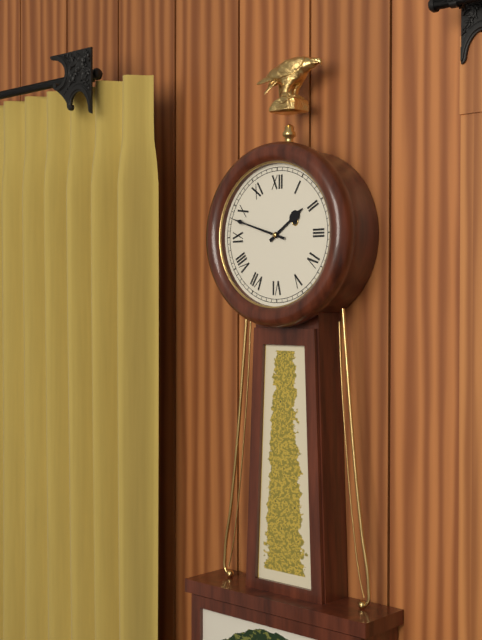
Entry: 1.48
